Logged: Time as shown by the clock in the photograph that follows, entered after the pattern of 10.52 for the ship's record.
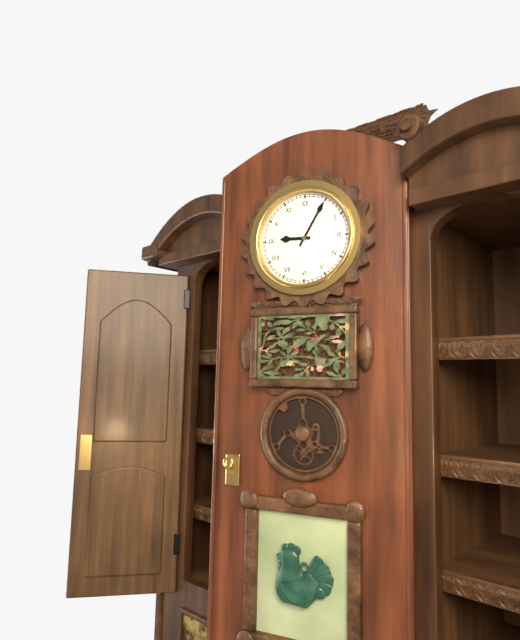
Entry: 9.05
